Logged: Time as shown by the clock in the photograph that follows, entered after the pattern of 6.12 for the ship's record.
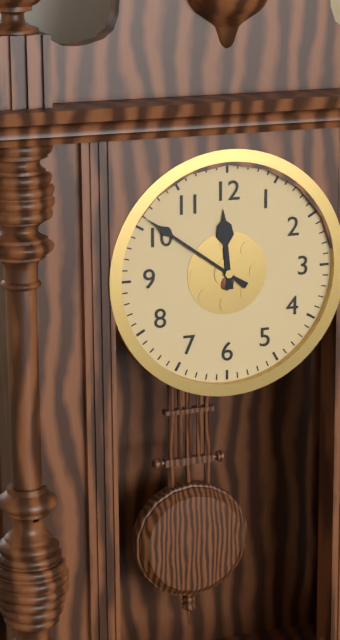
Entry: 11.51
